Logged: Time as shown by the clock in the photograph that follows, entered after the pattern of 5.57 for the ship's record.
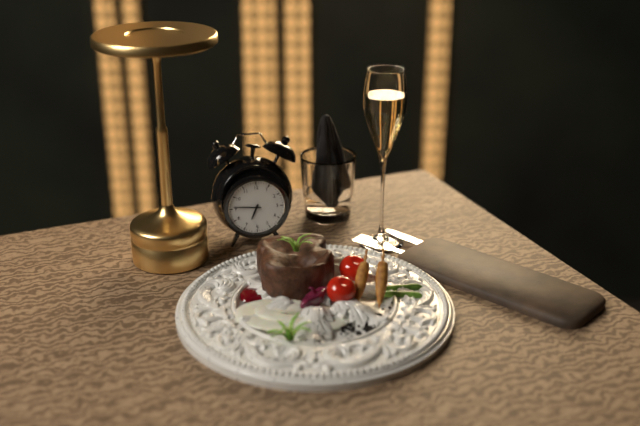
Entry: 6.46
